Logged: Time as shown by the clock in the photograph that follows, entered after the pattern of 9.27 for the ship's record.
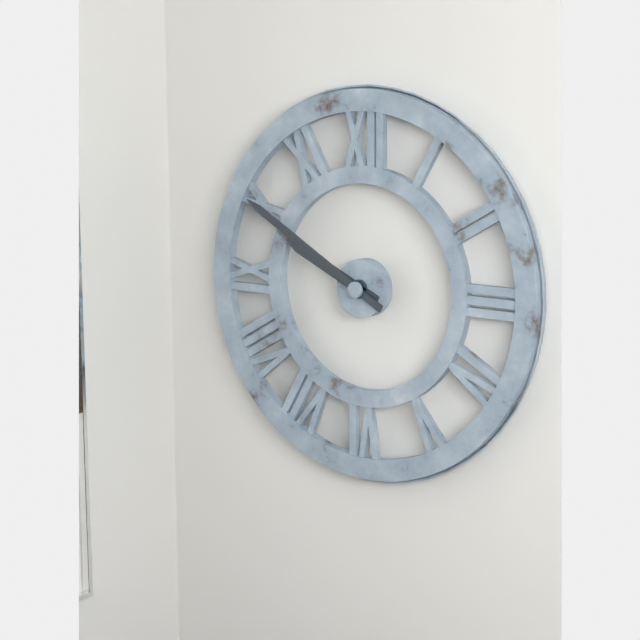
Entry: 9.50
